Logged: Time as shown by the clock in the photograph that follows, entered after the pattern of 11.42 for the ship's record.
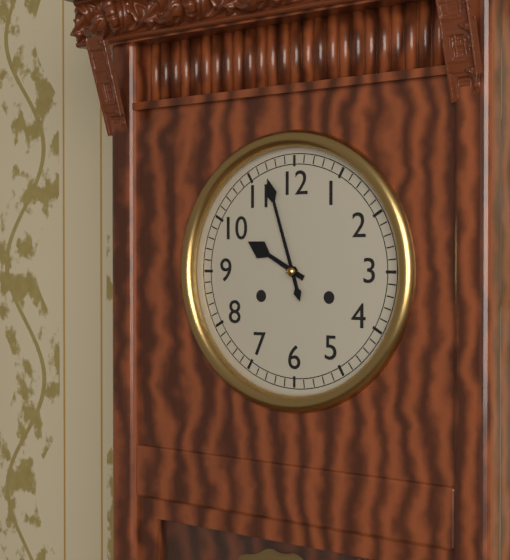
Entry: 9.57
